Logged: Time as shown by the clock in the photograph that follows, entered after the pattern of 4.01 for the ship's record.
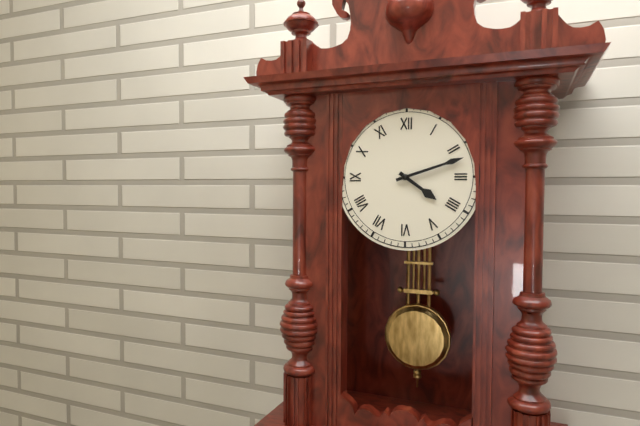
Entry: 4.12
